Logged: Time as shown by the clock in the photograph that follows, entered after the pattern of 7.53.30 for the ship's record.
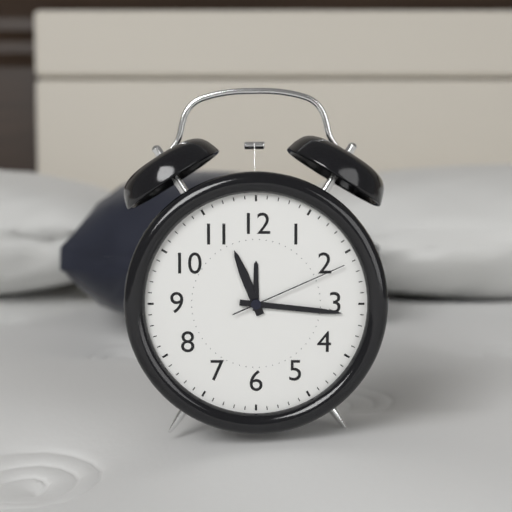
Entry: 11.16.11
